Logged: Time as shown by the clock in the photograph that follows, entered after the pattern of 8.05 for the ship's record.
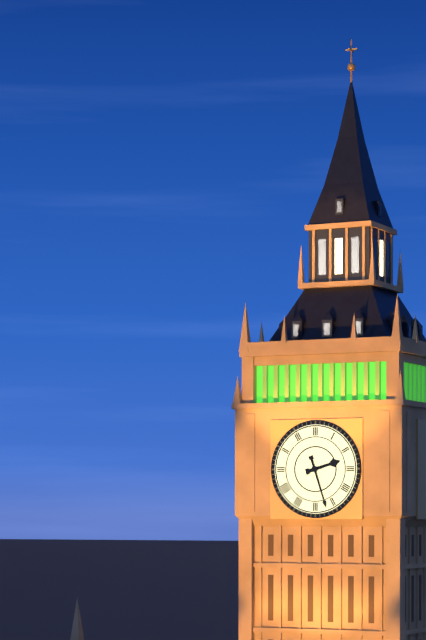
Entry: 2.27
